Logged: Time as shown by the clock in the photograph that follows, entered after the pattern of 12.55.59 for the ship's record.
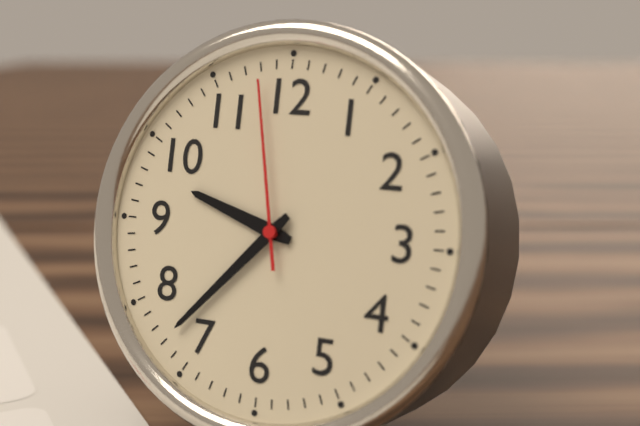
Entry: 9.37.58
